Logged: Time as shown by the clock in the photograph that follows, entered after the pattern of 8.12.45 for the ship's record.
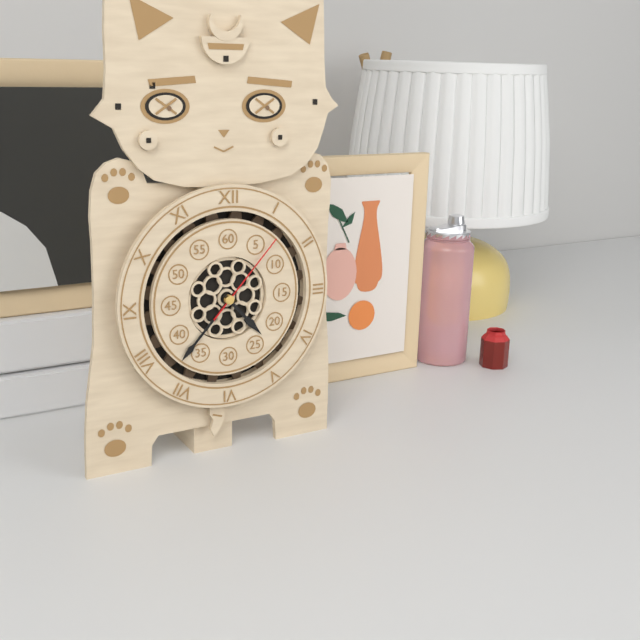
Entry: 4.37.07
